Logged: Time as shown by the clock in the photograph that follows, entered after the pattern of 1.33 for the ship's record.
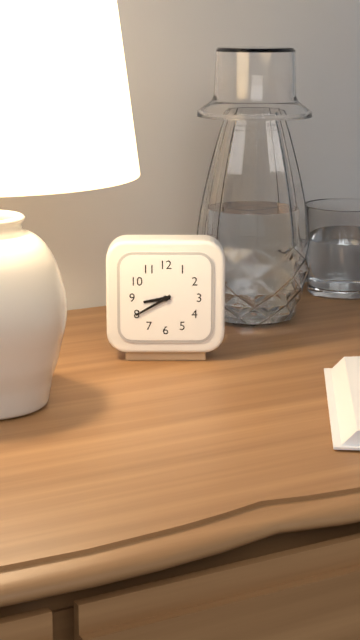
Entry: 8.40
